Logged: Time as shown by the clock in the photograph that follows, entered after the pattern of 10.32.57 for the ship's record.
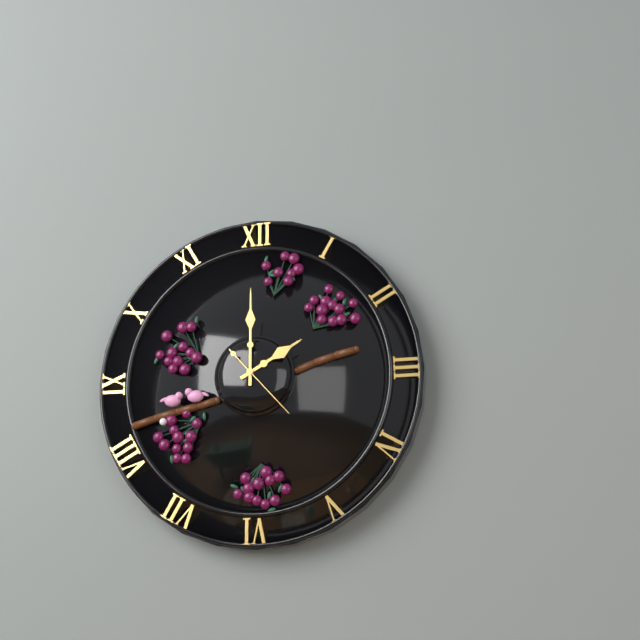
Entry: 2.00.23
